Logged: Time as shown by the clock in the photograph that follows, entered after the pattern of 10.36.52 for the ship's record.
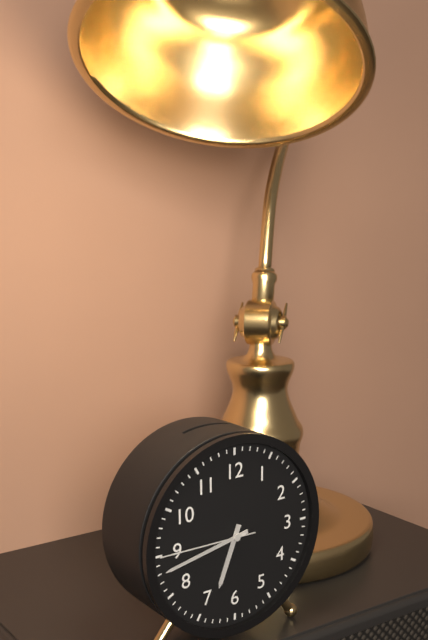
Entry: 6.43.45
